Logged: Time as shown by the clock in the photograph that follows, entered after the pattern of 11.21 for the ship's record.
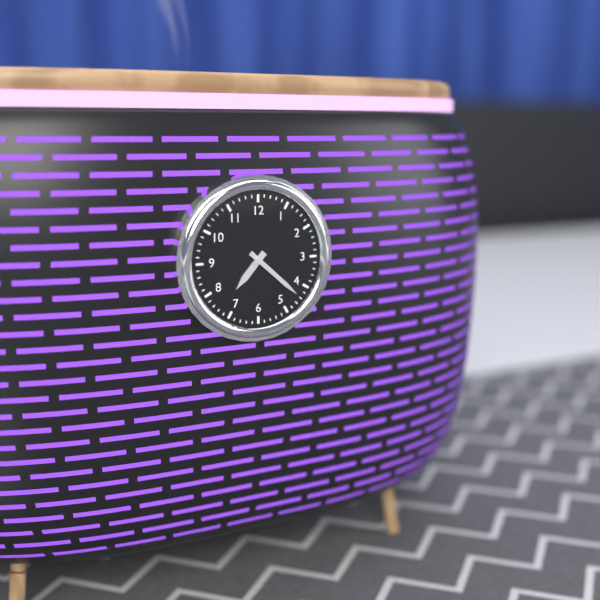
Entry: 7.22
